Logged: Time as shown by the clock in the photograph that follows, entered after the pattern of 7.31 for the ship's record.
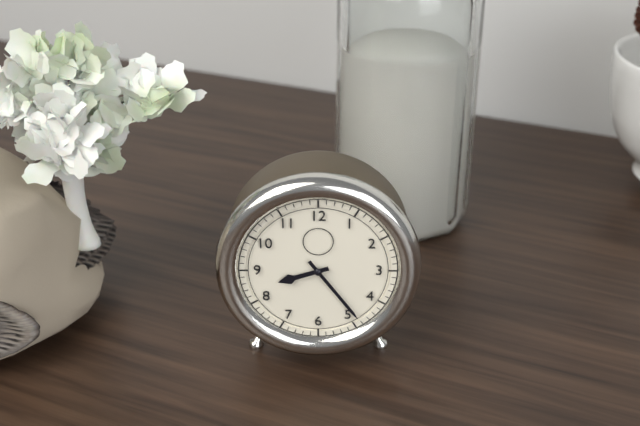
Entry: 8.24
